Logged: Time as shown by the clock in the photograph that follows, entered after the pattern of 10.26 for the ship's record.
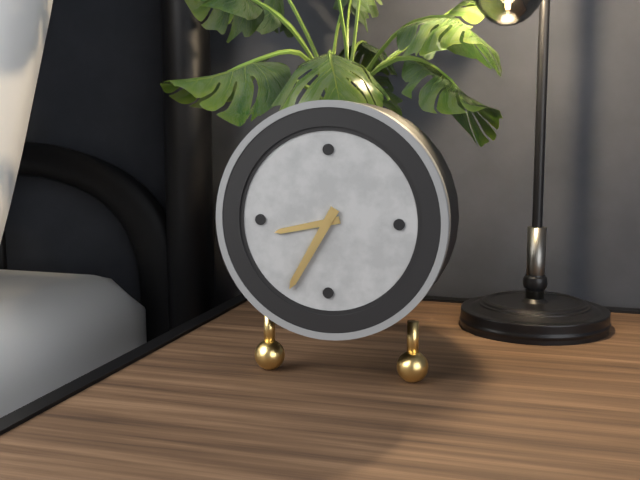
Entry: 8.35
